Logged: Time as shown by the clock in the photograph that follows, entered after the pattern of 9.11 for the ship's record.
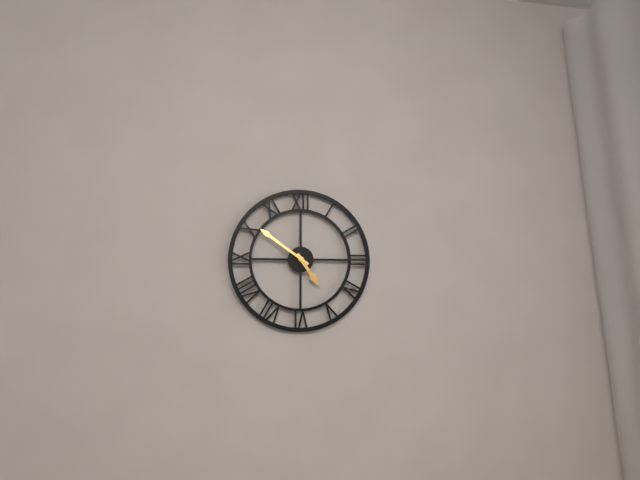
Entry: 4.51
